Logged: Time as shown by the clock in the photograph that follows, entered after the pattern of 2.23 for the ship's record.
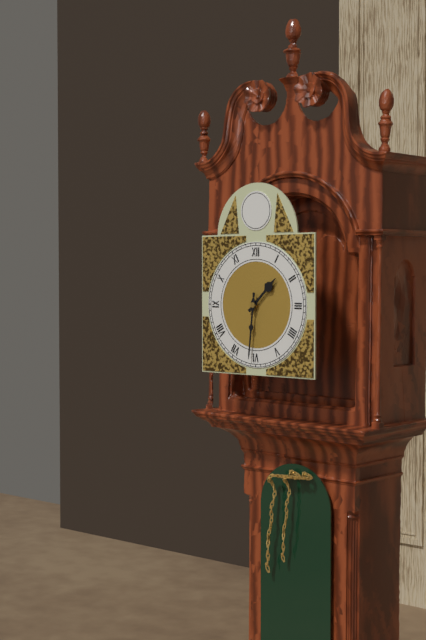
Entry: 1.31
